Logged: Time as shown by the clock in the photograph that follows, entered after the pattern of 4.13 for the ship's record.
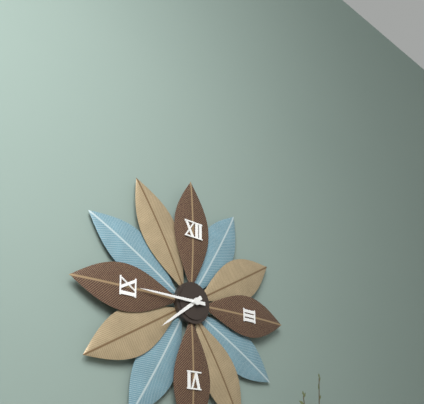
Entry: 7.45
